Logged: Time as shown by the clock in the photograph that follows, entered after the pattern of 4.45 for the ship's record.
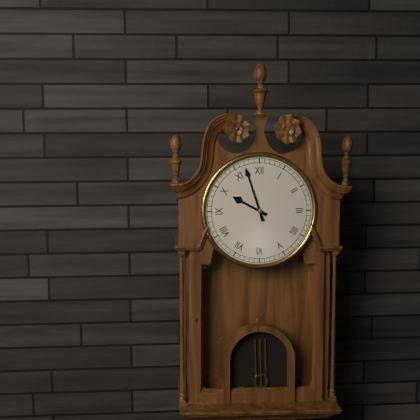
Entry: 9.57
